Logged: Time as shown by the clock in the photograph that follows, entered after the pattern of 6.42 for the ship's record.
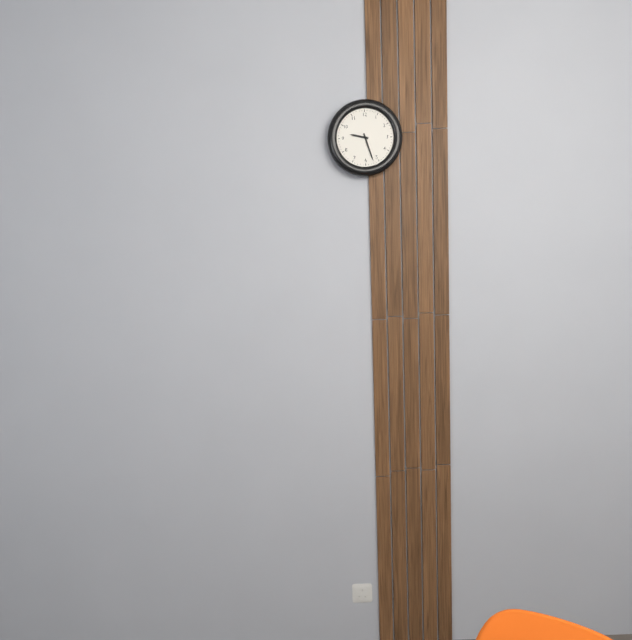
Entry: 9.27
